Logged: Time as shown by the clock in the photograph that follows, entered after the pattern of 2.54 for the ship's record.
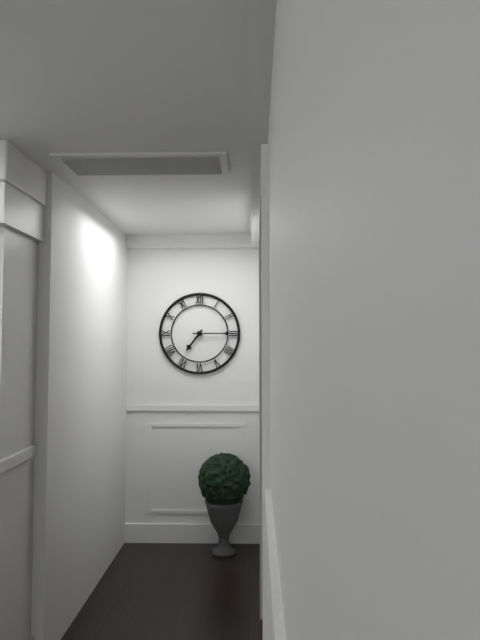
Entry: 7.15
